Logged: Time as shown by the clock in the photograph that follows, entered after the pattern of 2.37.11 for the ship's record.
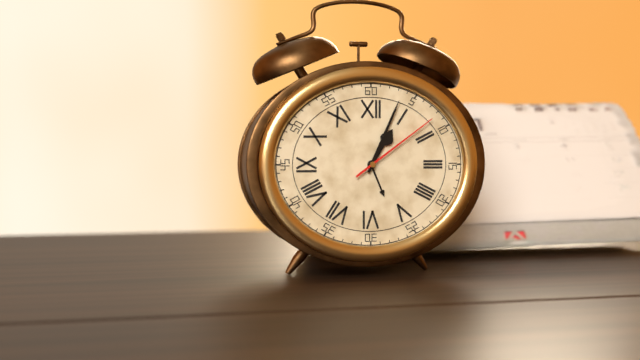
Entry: 1.04.09
